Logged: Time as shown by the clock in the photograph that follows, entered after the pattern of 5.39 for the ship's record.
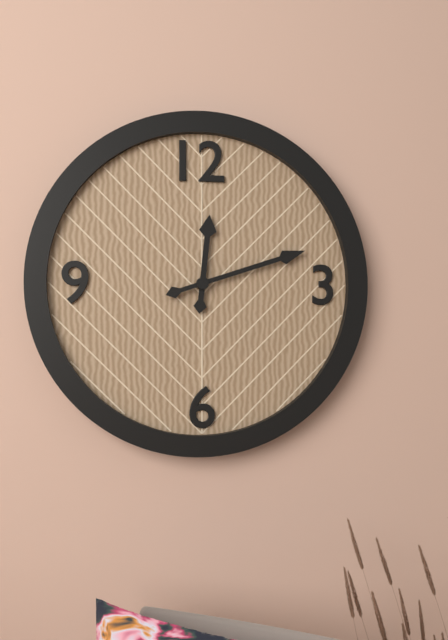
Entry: 12.12
